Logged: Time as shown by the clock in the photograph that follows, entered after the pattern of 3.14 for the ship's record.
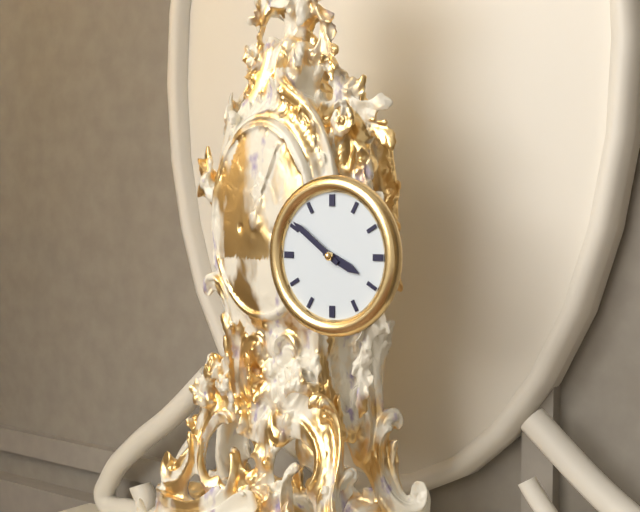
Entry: 3.51
